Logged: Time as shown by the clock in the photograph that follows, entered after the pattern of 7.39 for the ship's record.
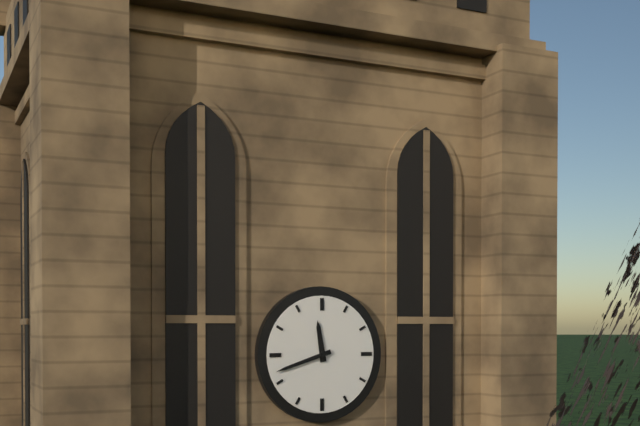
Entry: 11.42
